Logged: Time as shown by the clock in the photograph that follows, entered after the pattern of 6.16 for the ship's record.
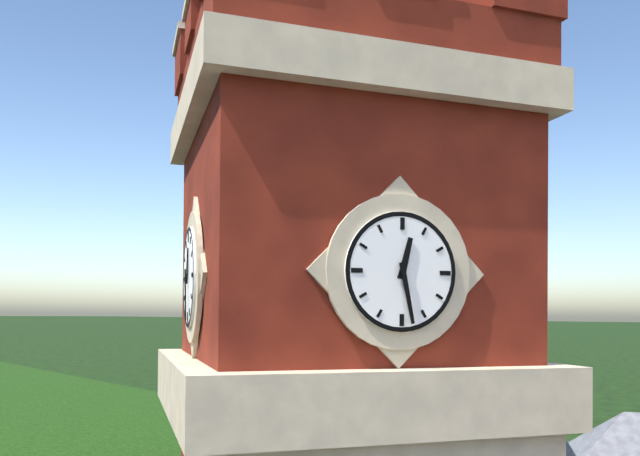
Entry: 12.28
